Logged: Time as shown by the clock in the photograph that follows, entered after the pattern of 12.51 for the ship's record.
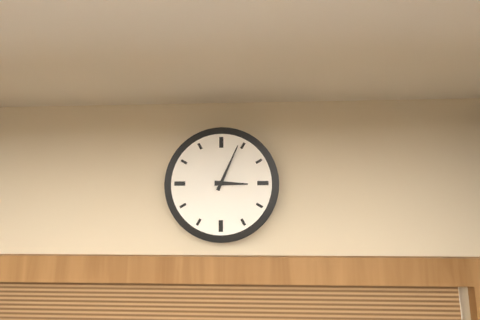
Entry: 3.04
